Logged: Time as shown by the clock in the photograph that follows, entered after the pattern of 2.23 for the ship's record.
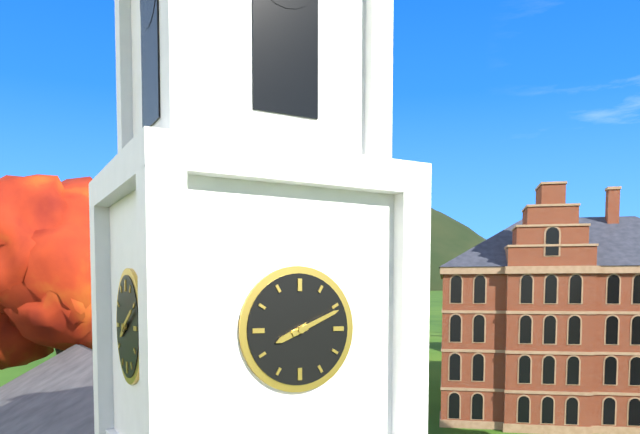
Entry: 8.11
